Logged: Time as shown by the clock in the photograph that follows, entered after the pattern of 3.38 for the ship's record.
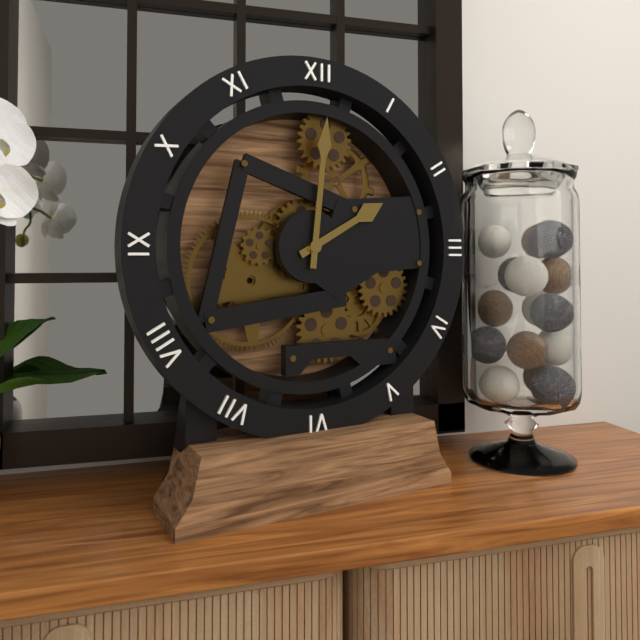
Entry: 2.01
